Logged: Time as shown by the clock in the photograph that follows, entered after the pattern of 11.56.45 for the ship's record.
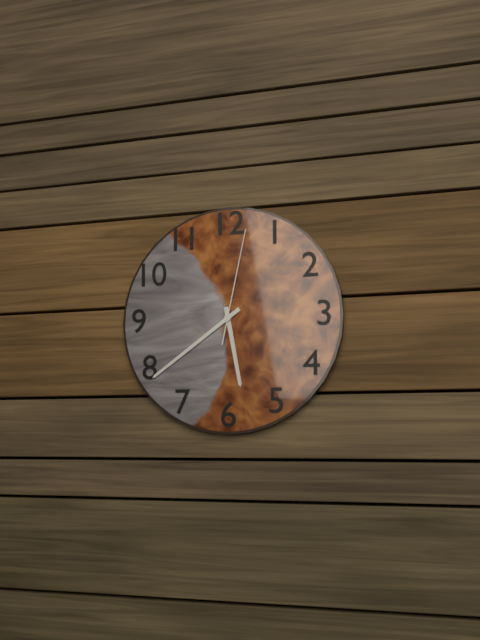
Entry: 5.39.02
